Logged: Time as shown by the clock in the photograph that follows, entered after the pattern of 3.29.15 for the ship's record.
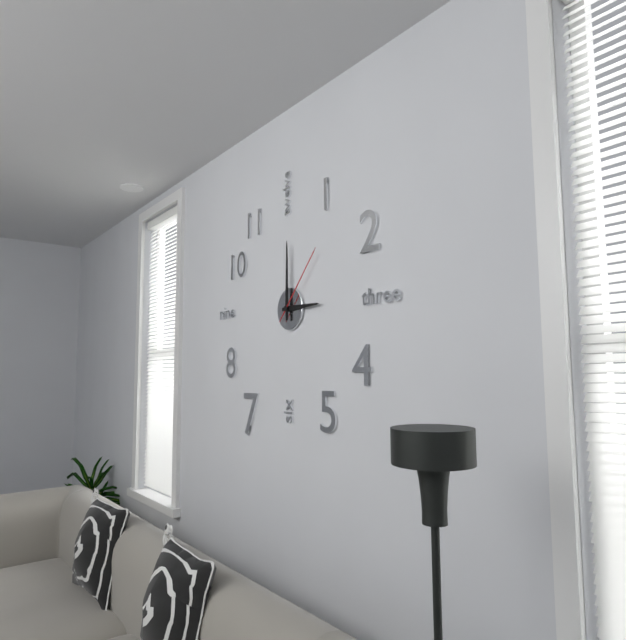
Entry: 3.00.07
